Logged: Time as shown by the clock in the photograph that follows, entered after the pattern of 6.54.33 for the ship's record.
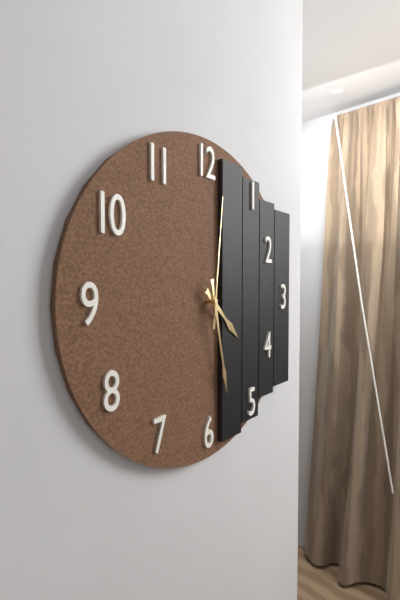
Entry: 4.28.01
